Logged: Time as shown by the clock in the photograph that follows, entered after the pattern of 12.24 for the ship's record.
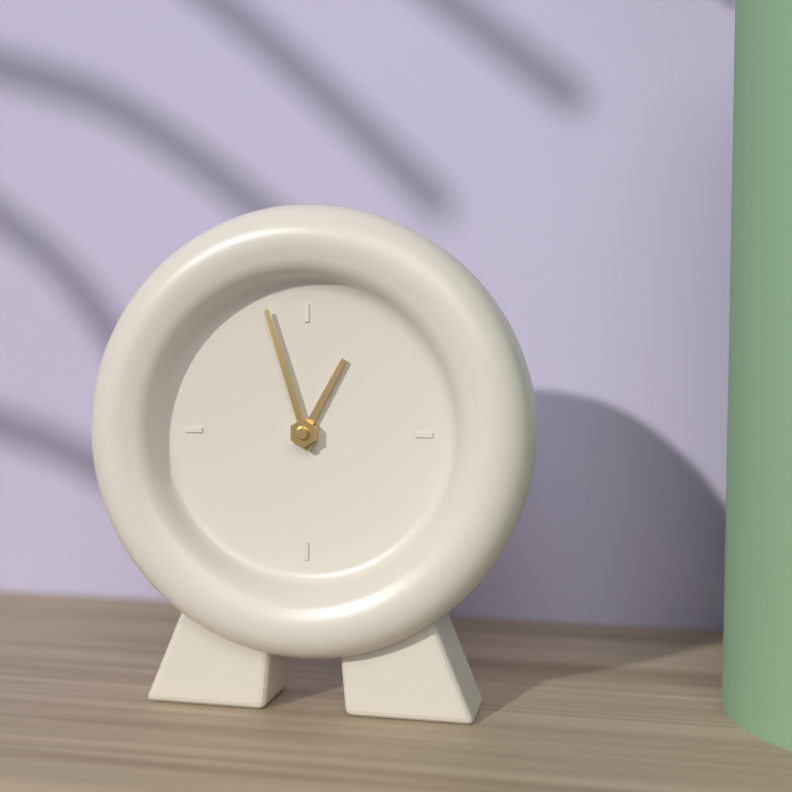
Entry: 12.57
